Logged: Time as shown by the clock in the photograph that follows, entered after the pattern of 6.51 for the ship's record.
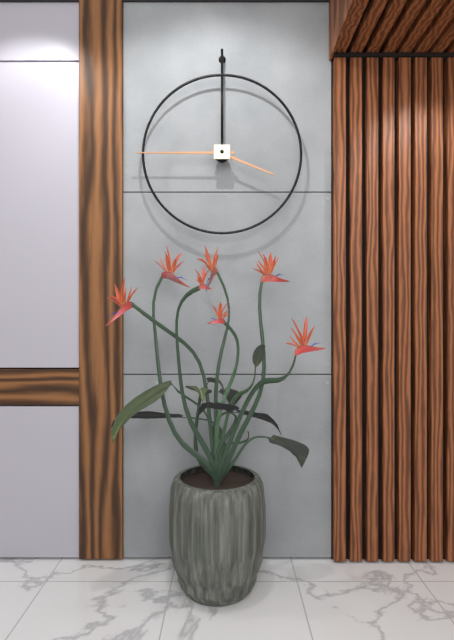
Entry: 3.45
